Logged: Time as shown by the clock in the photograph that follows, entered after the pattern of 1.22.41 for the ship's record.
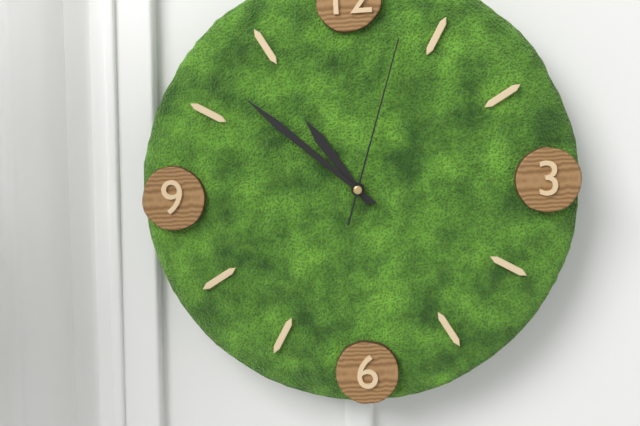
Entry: 10.52.03
